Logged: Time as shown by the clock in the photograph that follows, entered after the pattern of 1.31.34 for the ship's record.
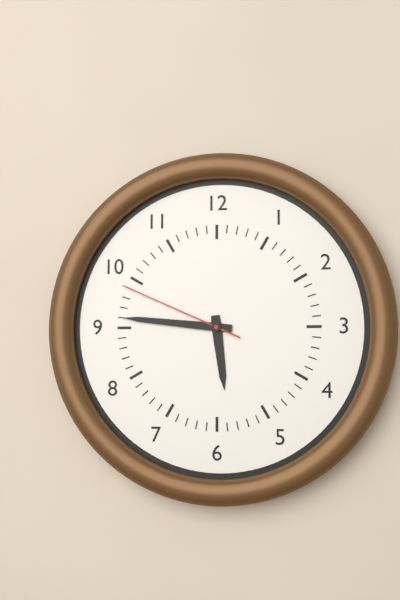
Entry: 5.46.49
